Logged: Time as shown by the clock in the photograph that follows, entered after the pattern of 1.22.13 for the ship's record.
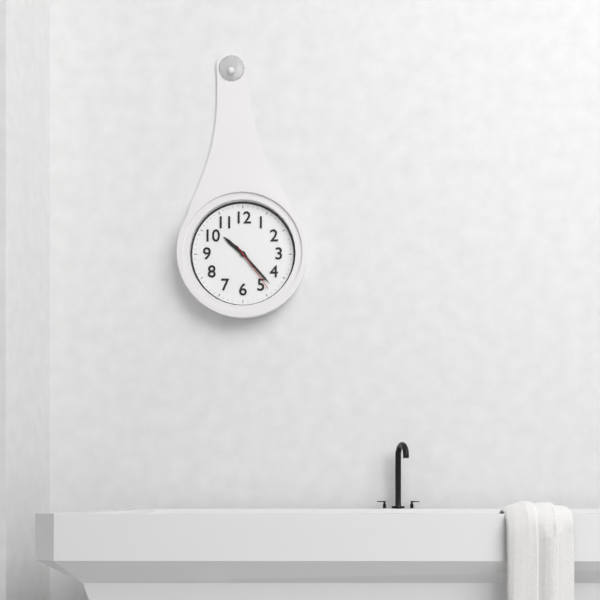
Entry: 10.23.24
